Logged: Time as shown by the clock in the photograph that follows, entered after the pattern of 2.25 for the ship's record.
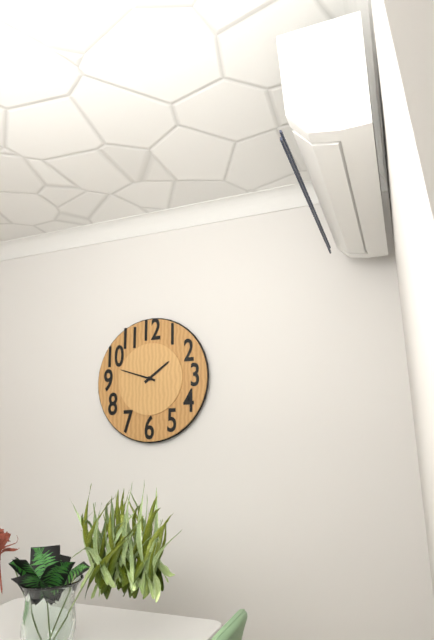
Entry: 1.48
